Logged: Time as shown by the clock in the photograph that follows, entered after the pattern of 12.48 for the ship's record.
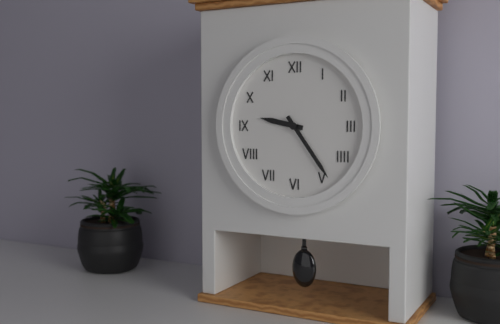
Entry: 9.24
